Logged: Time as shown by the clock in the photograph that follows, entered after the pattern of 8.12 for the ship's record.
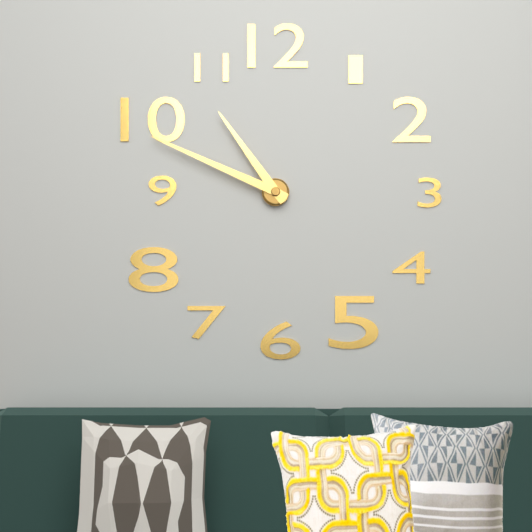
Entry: 10.49
